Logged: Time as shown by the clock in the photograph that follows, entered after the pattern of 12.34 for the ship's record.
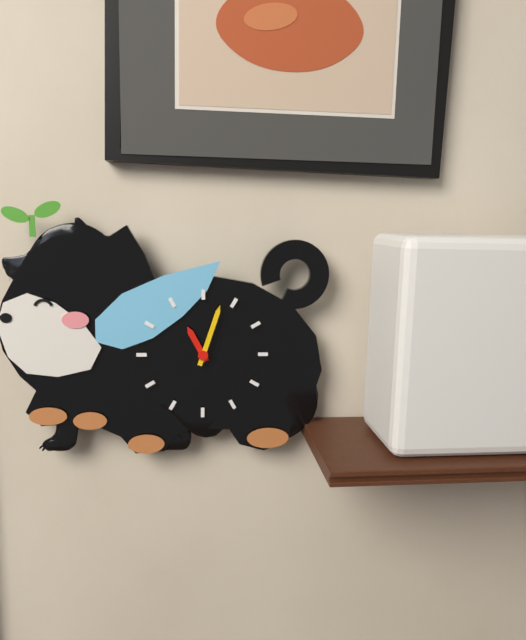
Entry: 11.03
